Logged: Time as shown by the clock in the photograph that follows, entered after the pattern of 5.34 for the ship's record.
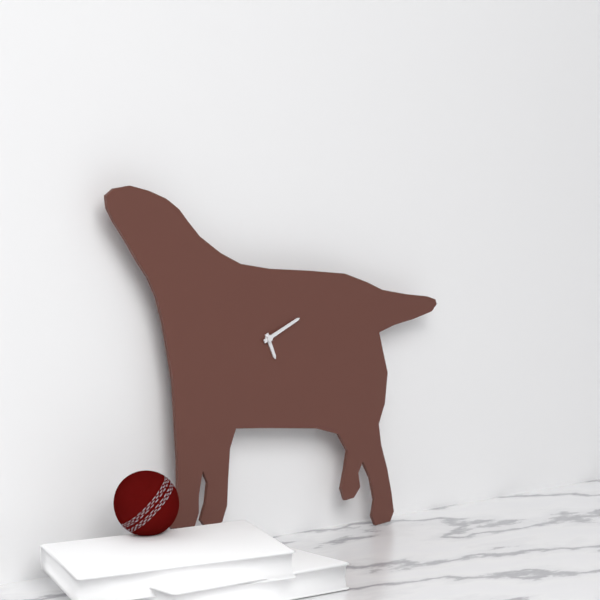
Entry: 5.11
